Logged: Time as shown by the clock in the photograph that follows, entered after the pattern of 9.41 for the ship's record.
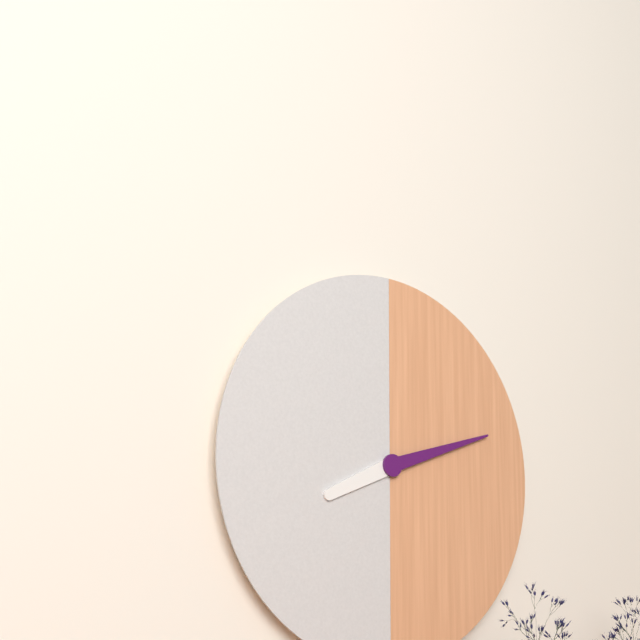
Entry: 8.12
